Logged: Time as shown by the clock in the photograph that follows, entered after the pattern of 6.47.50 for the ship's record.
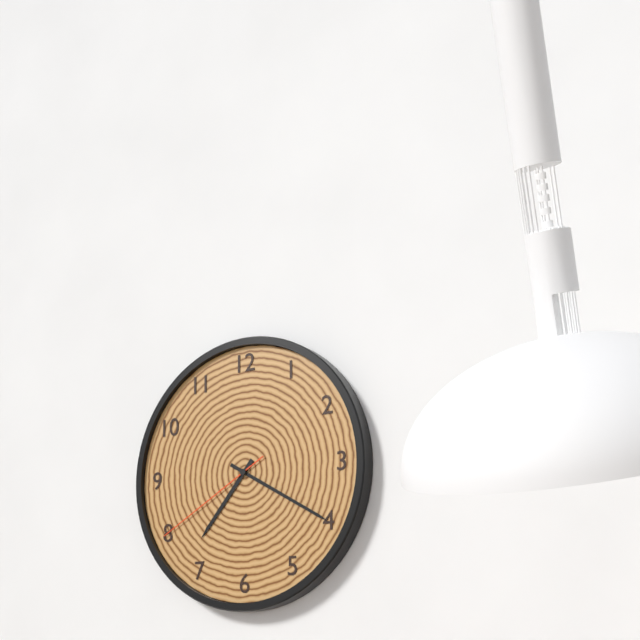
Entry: 7.20.40
